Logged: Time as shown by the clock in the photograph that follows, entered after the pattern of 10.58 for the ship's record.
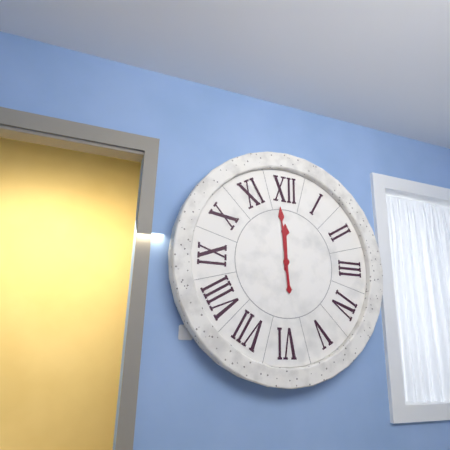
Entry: 11.59
